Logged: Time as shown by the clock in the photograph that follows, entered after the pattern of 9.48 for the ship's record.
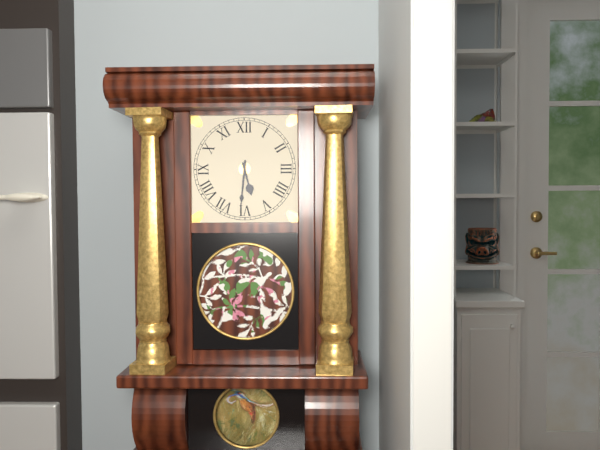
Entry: 5.31
